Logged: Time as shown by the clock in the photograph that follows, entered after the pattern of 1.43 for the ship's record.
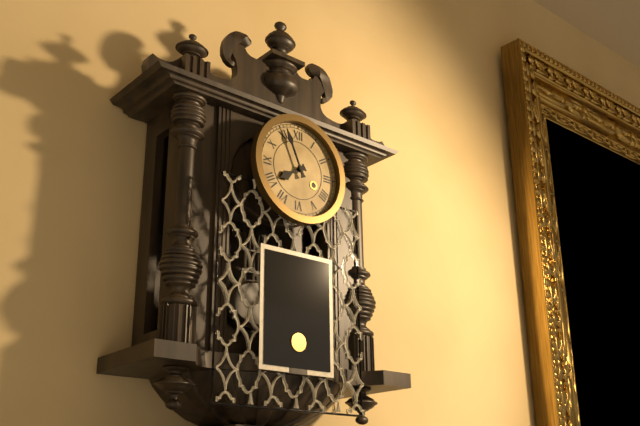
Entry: 7.56
